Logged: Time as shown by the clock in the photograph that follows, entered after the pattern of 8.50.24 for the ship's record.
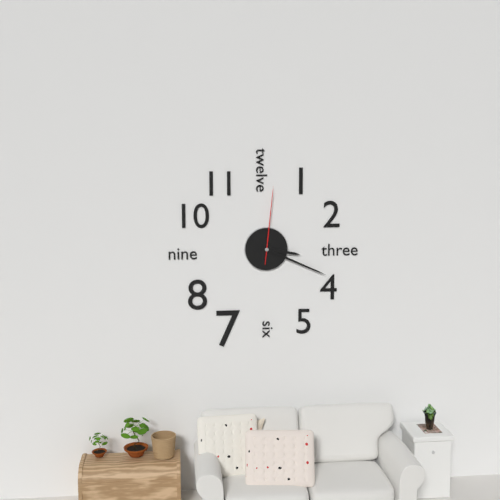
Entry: 3.19.01
